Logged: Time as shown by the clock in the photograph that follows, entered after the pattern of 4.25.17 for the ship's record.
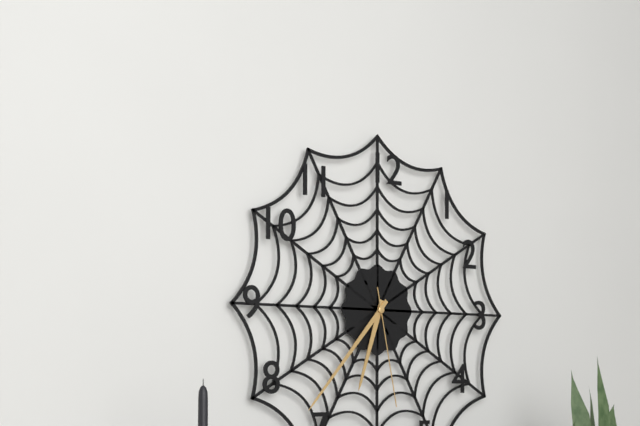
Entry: 6.37.28
